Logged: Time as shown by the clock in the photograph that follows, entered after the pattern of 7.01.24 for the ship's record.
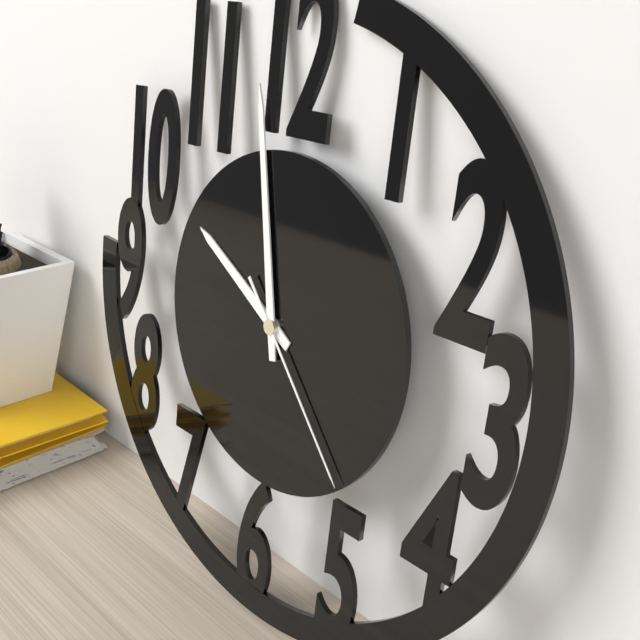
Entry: 9.58.23
